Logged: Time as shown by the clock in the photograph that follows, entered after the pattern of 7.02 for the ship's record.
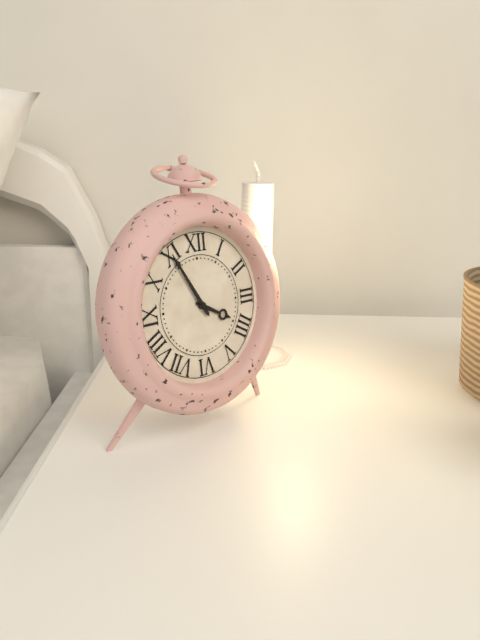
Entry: 3.55
